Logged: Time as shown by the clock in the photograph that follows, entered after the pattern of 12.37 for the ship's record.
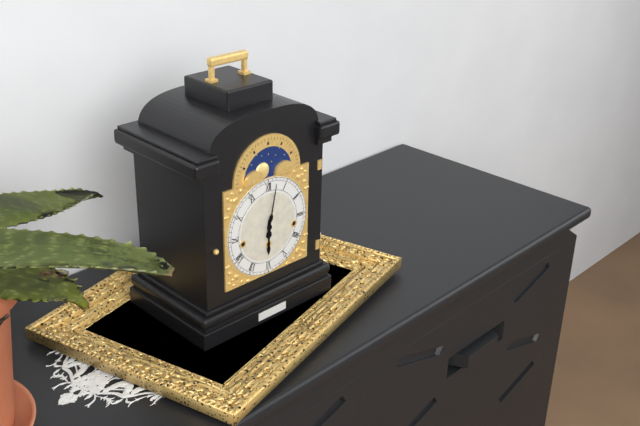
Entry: 6.02
